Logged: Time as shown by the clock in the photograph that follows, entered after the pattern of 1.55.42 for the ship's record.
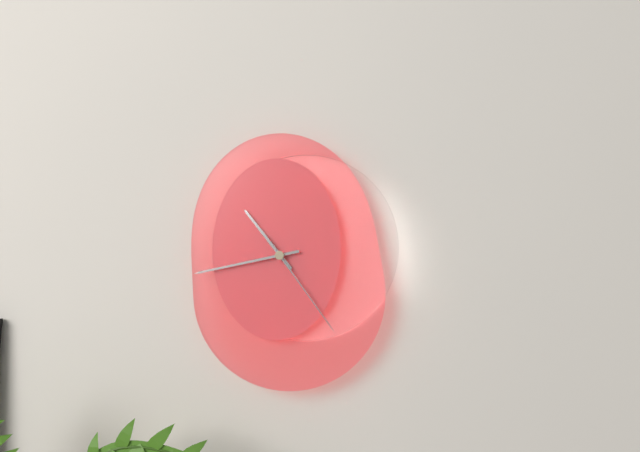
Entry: 10.43.24
